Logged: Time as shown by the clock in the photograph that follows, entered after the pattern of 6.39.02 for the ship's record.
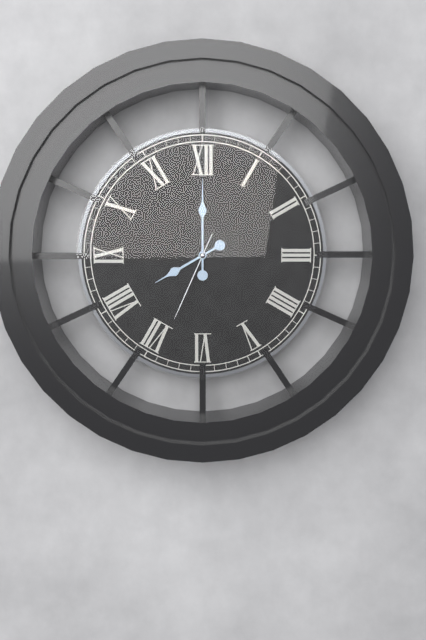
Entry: 8.00.34
